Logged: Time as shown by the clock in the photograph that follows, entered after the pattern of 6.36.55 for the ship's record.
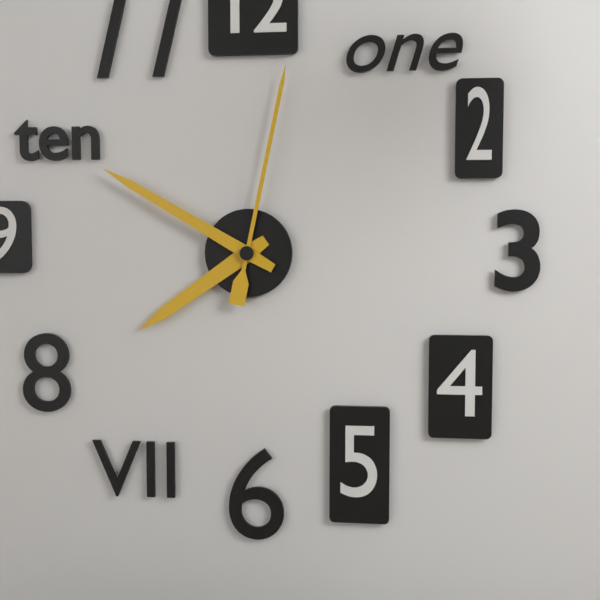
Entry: 7.50.02
